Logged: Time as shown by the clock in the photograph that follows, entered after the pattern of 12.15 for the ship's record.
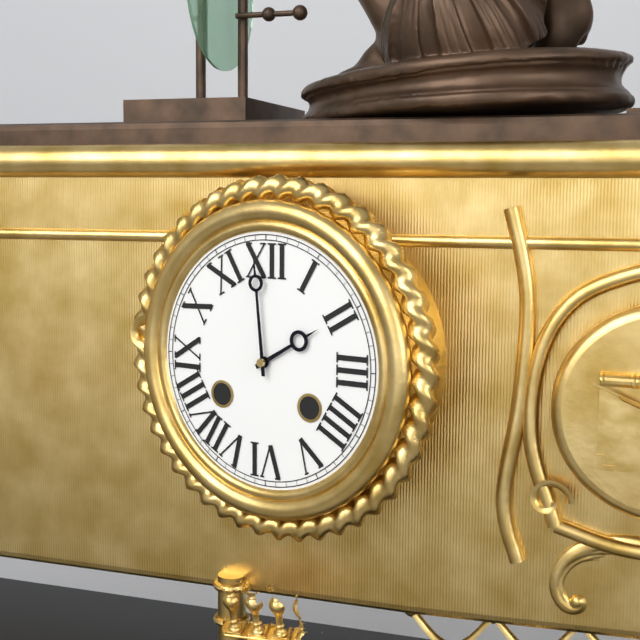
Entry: 1.59
